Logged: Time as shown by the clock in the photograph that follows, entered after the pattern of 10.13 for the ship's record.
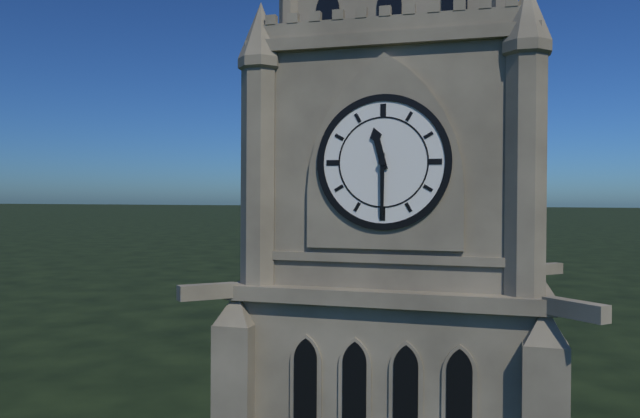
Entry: 11.30
